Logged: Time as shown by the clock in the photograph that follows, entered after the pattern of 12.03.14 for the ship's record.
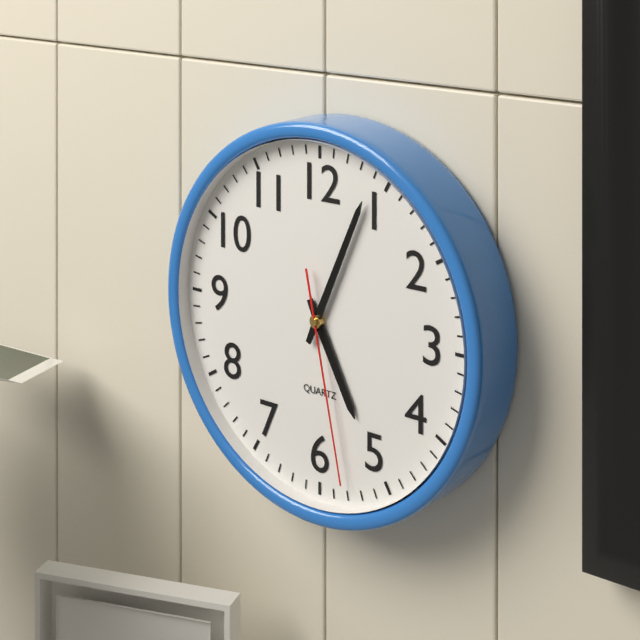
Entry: 5.04.28
